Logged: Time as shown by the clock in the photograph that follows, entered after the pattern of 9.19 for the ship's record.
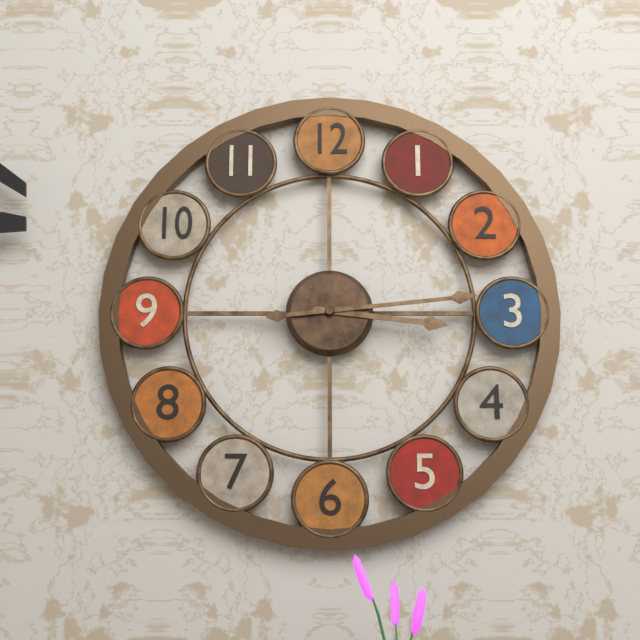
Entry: 3.14
